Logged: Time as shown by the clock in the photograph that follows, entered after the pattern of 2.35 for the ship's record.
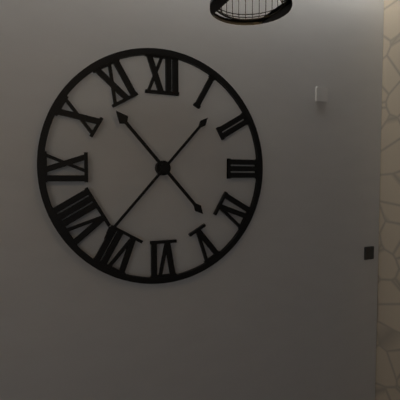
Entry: 10.37
